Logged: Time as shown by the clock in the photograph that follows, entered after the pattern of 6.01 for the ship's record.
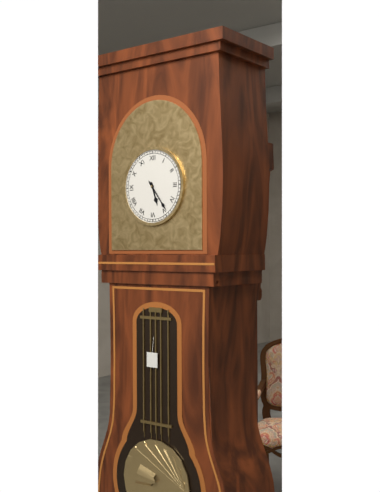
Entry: 5.24
